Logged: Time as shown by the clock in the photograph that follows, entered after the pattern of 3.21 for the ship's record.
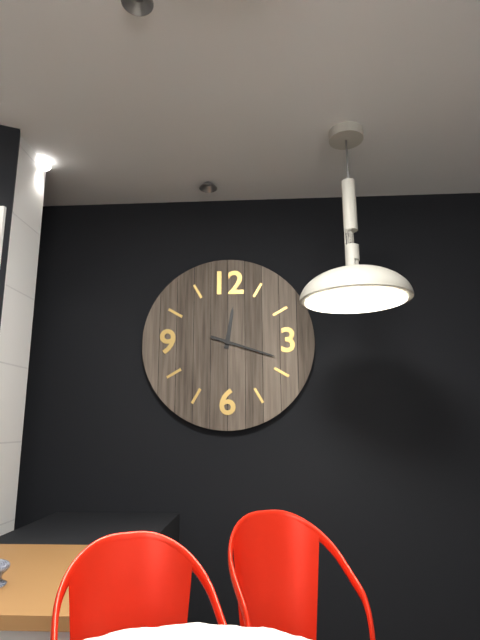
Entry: 12.18
